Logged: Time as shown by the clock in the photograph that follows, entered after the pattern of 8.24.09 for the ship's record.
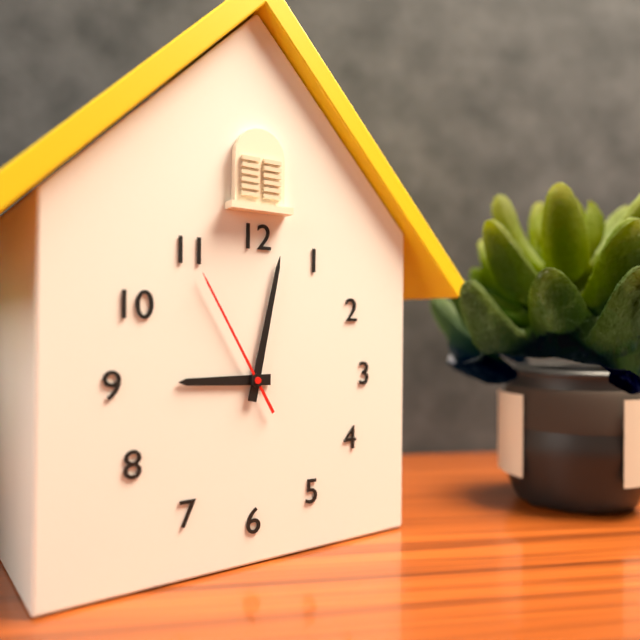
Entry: 9.02.55
